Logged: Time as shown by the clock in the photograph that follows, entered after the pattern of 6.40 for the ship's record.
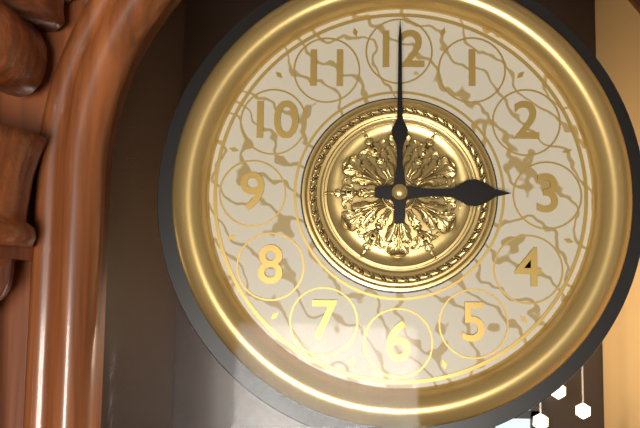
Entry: 3.00
